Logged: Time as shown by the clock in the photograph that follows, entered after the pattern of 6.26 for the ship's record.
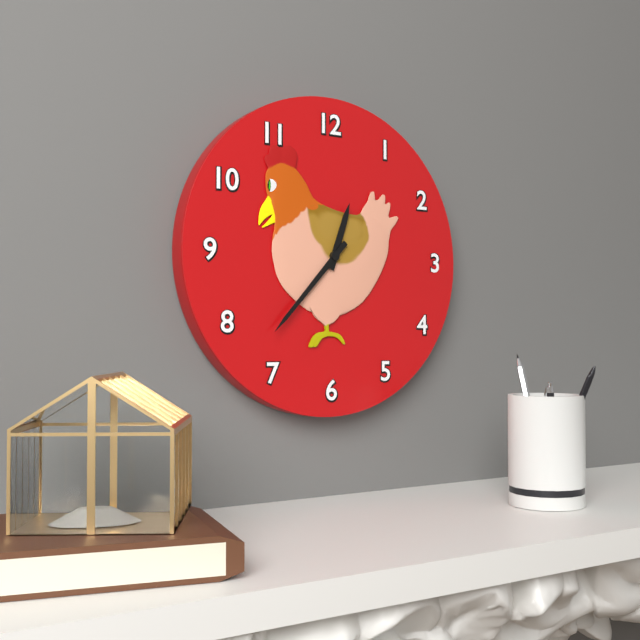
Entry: 12.37
